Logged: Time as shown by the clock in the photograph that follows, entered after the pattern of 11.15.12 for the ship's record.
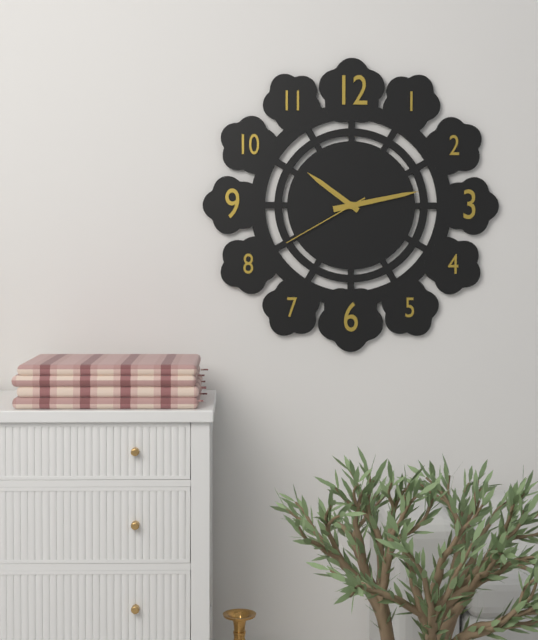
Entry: 10.13.40
